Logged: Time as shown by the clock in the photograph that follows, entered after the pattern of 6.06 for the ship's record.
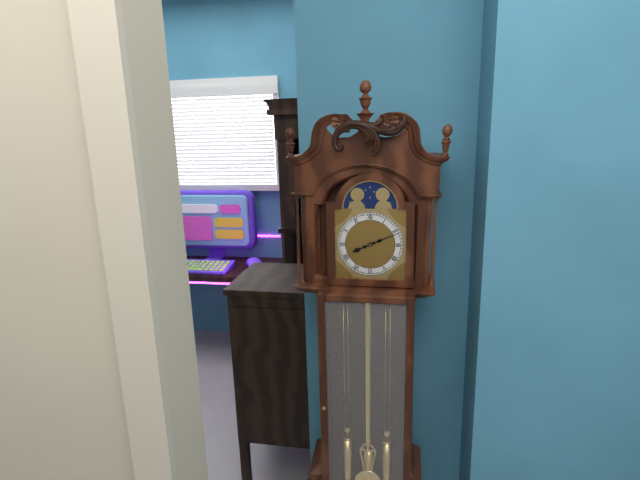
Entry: 8.11
